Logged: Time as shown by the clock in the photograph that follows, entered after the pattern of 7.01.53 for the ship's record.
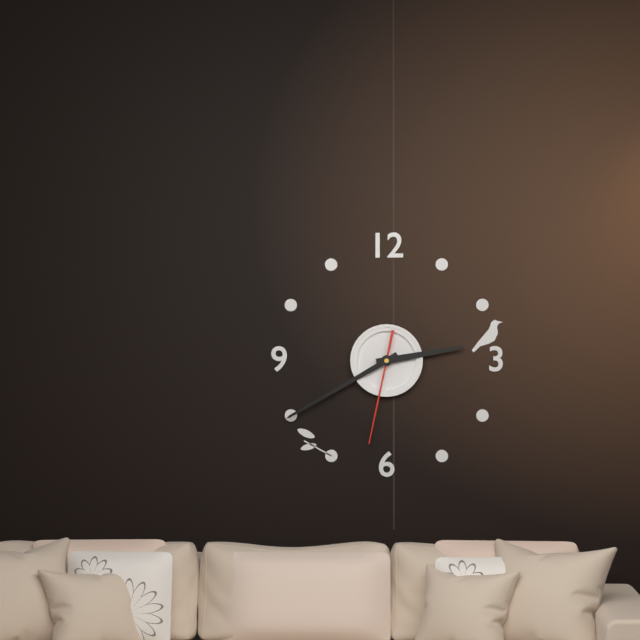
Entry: 2.40.32
